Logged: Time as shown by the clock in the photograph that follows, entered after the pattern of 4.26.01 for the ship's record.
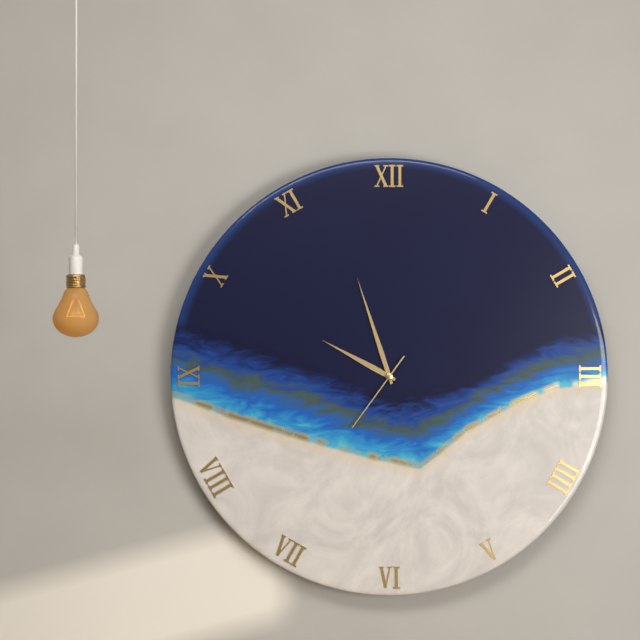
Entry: 9.57.36
